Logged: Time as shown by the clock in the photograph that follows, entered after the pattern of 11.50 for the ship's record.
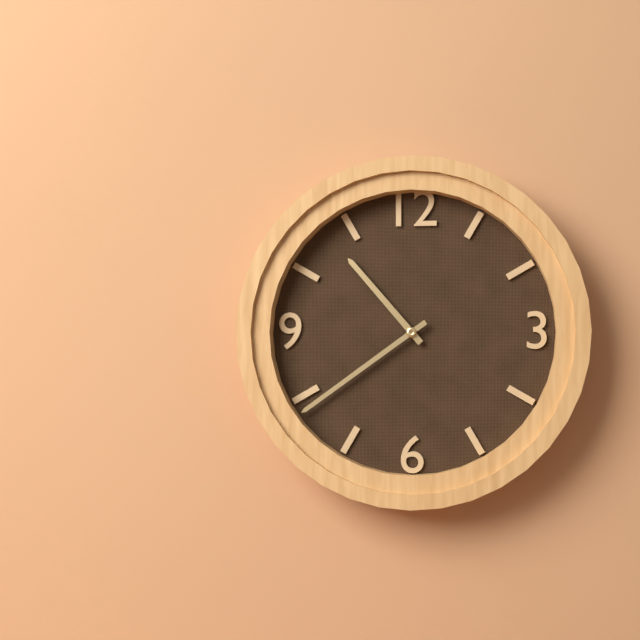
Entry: 10.39
